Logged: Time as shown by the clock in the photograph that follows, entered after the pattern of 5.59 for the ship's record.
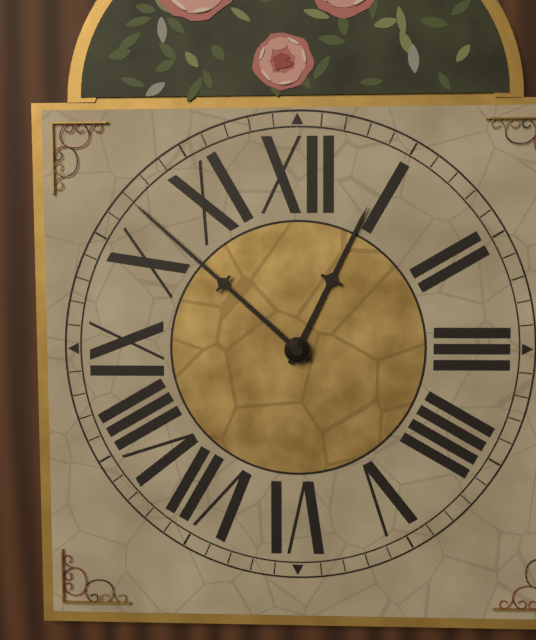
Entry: 12.52
